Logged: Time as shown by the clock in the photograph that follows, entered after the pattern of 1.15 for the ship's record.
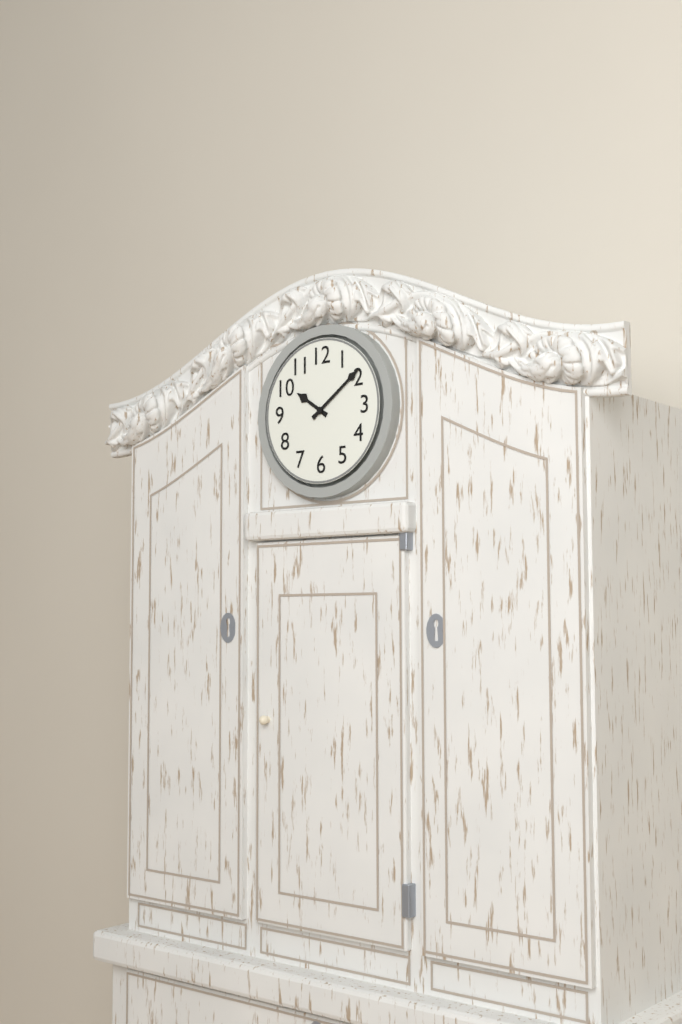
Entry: 10.09
